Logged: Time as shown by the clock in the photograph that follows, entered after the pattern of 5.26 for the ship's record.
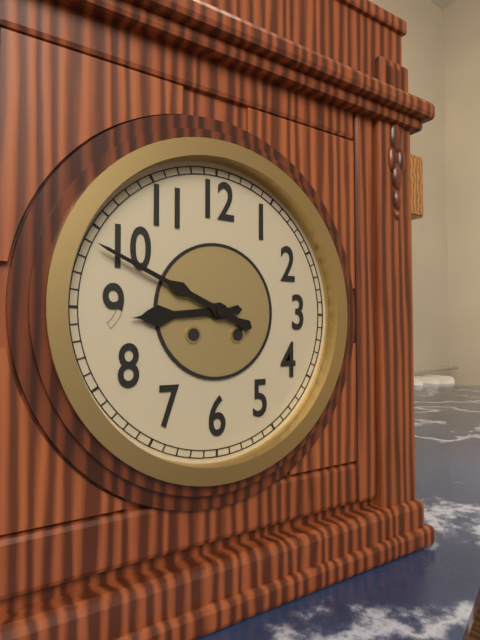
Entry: 8.49
